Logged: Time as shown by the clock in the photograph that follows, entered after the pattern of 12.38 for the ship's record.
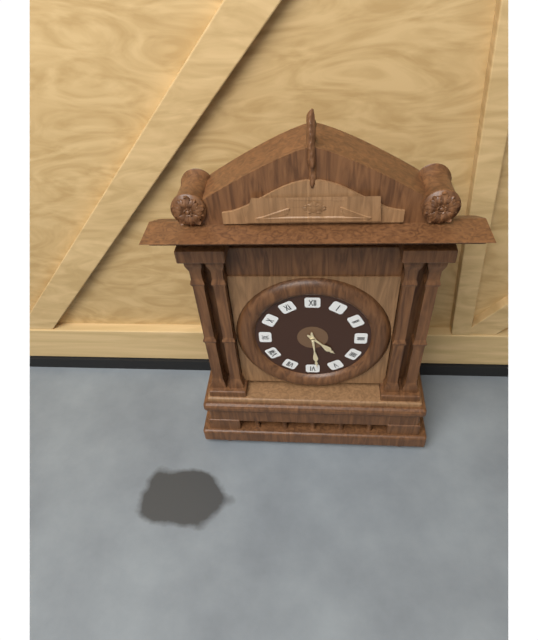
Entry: 4.29
